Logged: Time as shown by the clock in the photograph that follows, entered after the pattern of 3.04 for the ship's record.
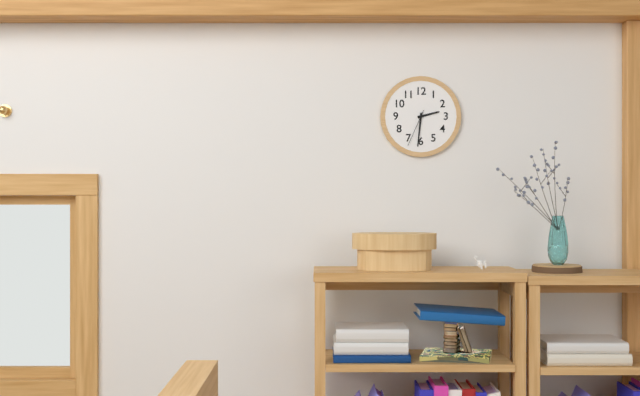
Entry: 2.31
